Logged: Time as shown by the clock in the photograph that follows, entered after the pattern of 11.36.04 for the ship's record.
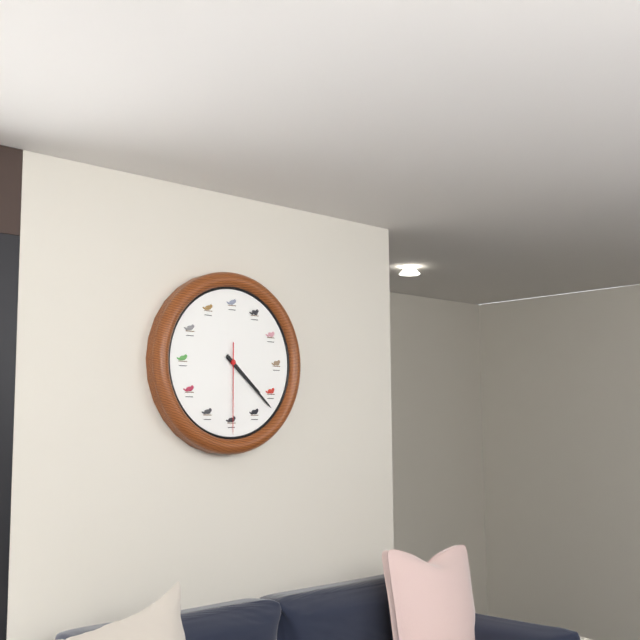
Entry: 4.22.30
